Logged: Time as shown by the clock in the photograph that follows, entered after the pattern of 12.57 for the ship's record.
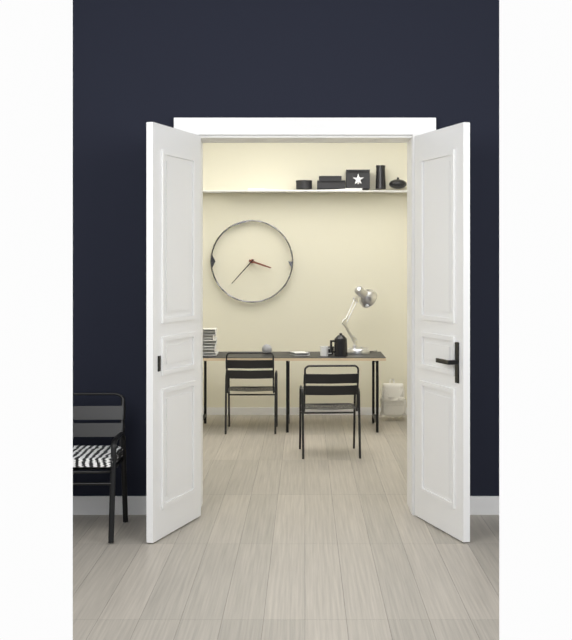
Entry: 3.37
